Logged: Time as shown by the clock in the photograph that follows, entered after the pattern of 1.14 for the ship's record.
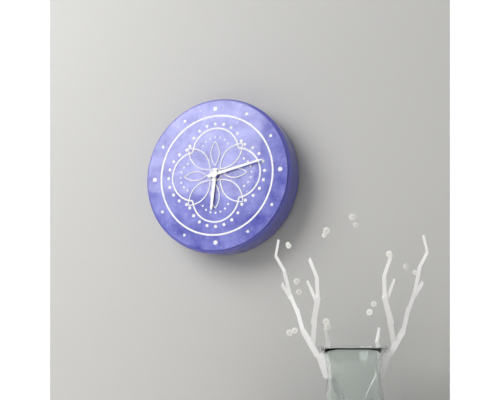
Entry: 6.13
